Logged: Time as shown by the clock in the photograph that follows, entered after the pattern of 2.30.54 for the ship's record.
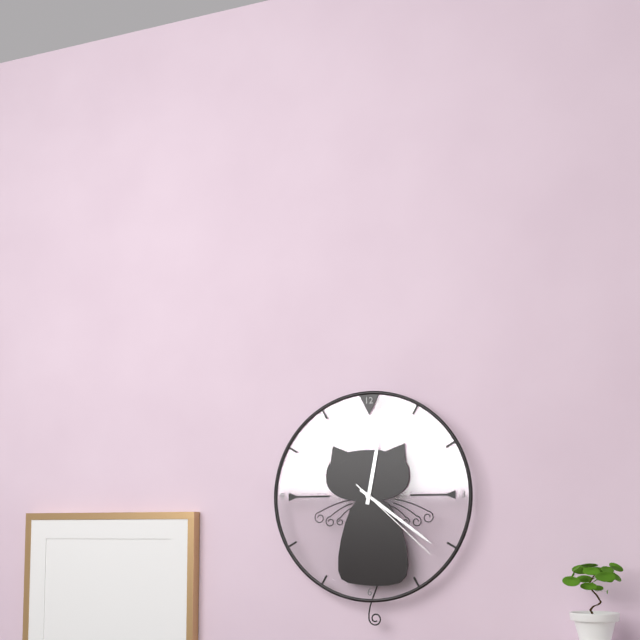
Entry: 12.21.22
